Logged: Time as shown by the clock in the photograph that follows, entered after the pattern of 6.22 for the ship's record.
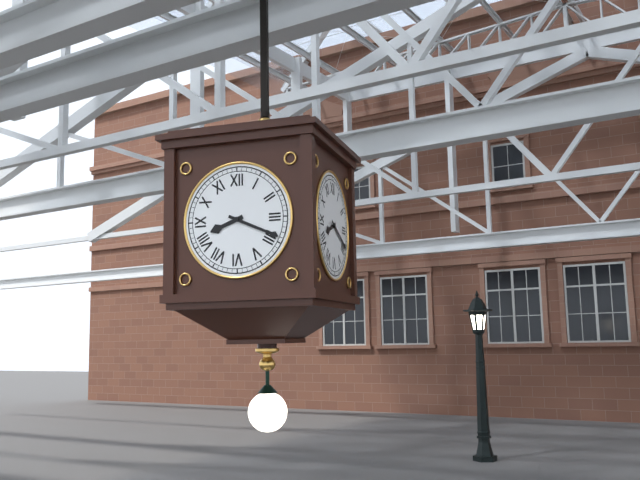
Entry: 8.19
